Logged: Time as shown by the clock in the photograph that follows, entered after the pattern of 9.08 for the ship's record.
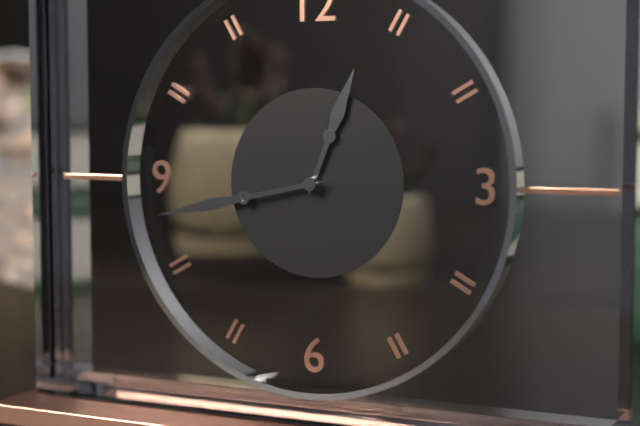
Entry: 12.43
